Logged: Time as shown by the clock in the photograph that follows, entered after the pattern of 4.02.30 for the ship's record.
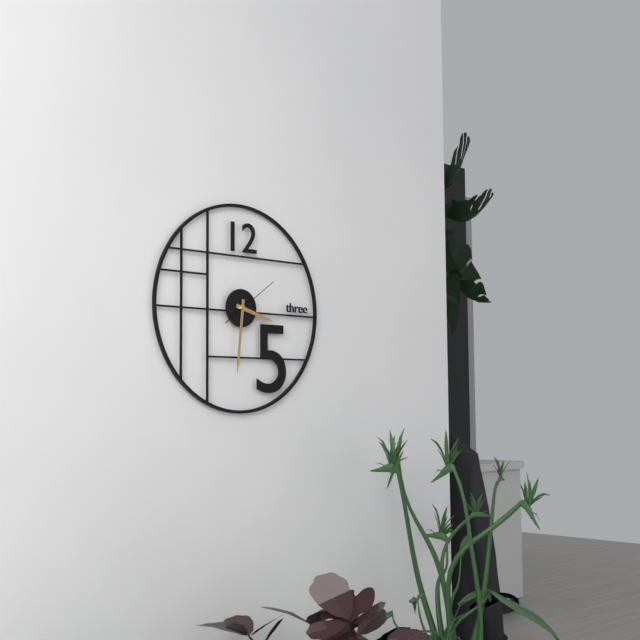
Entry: 3.31.09
